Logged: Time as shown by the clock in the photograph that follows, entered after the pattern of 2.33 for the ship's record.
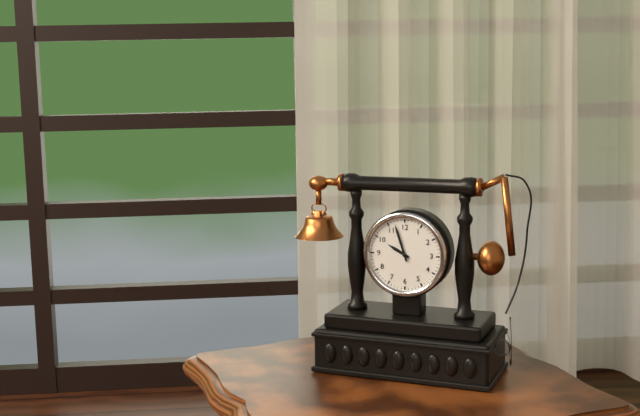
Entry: 9.57
